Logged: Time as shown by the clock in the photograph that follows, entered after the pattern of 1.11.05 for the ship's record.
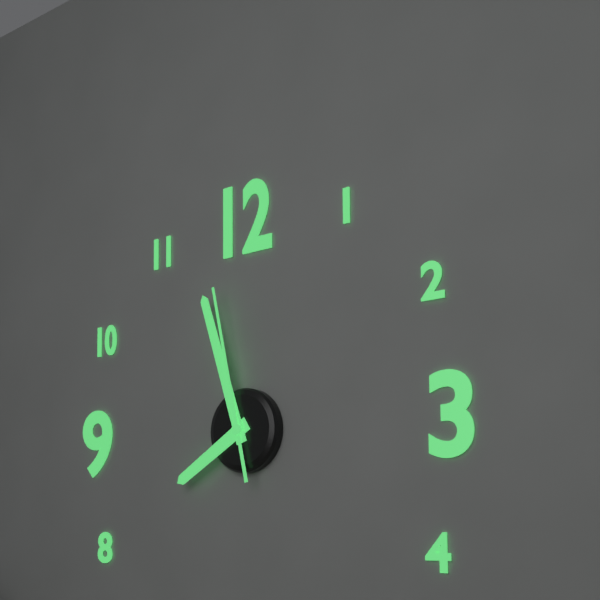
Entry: 7.57.58
